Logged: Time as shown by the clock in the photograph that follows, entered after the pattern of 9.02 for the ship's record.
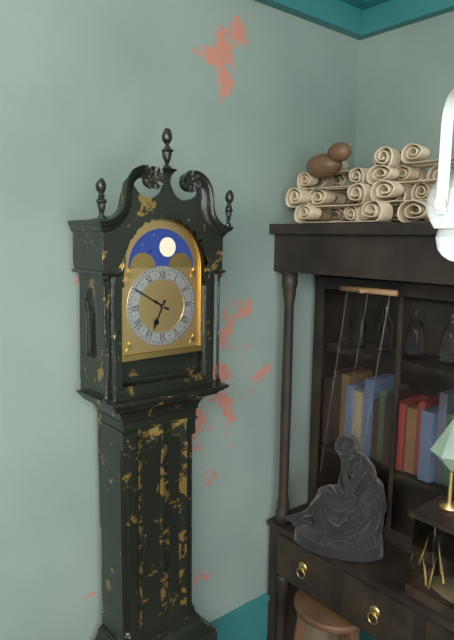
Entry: 6.50
